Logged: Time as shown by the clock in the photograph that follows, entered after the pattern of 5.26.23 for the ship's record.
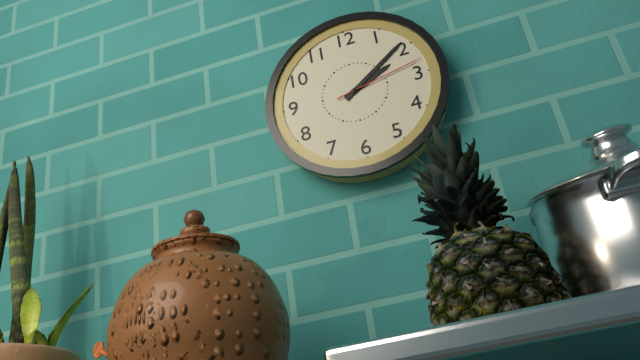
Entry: 2.09.13
